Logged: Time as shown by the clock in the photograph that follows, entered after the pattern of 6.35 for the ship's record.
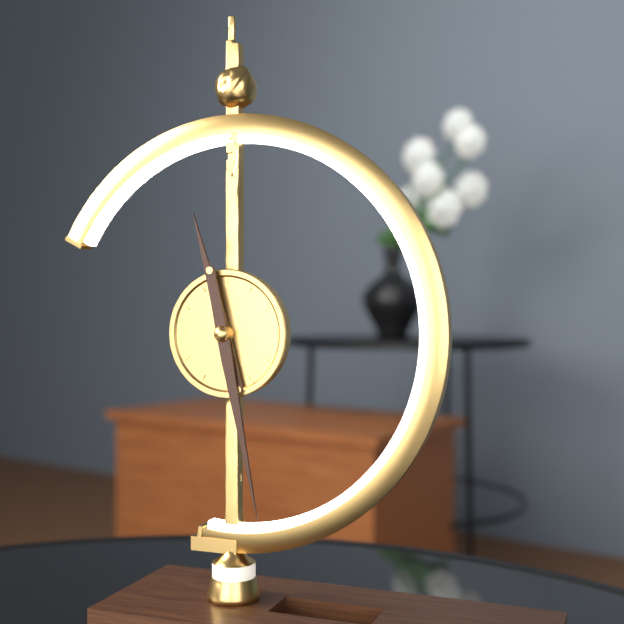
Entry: 11.28
